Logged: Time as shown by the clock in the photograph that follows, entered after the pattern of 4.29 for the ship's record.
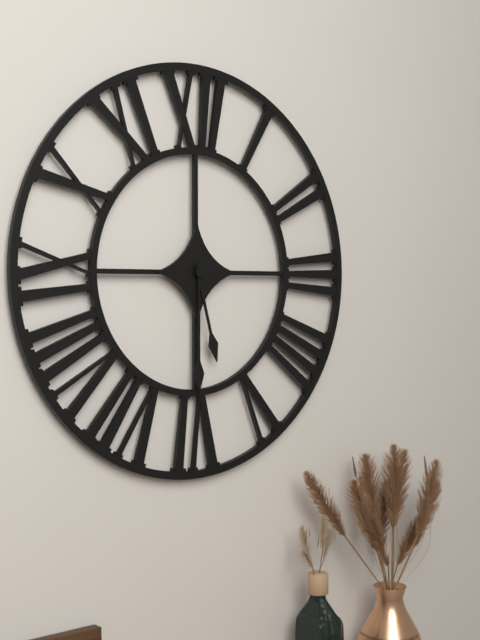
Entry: 5.30
